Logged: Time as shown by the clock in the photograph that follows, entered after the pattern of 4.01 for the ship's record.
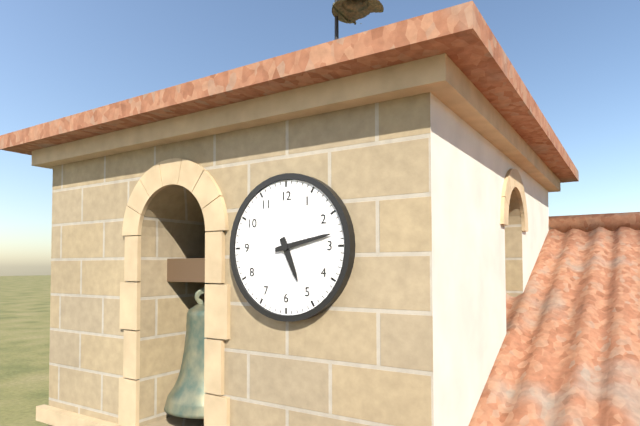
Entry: 5.13
